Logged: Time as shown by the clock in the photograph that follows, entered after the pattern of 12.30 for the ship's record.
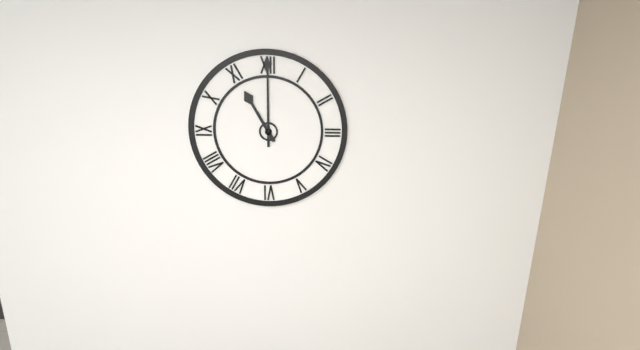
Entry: 11.00
